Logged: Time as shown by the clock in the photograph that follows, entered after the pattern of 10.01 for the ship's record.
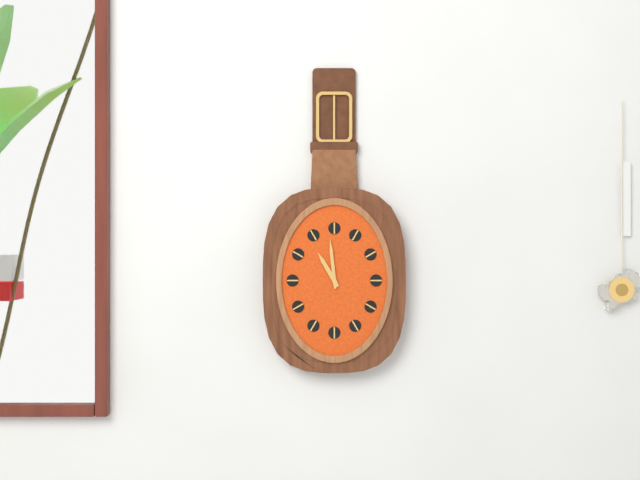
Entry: 10.59
